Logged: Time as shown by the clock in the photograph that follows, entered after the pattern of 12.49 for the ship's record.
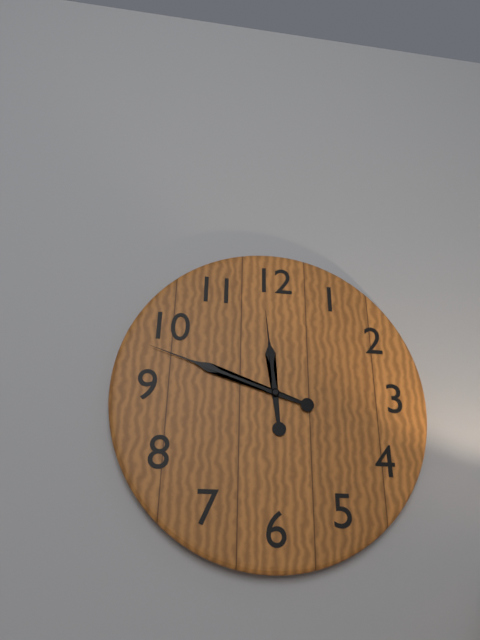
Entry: 11.48
